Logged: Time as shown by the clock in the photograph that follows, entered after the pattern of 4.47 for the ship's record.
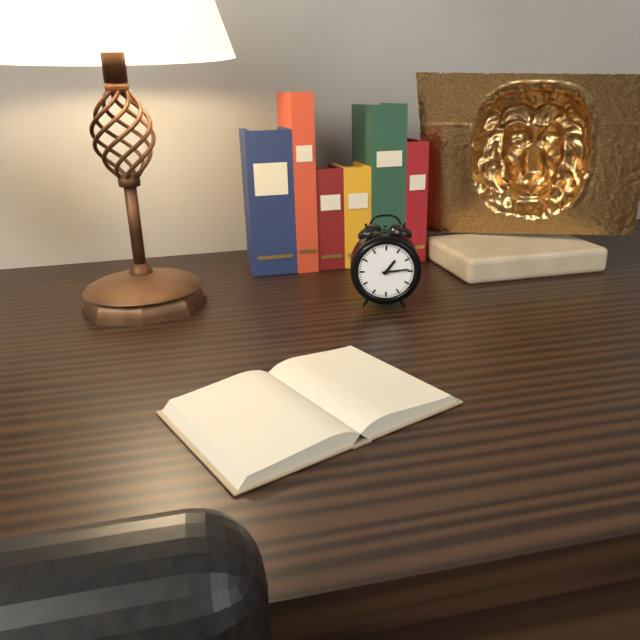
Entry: 1.14
